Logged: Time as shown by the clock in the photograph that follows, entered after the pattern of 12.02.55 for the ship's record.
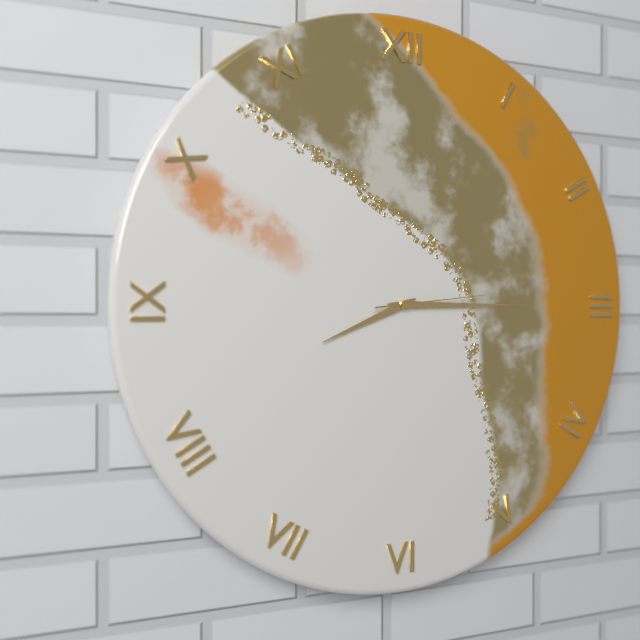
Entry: 8.15.14
